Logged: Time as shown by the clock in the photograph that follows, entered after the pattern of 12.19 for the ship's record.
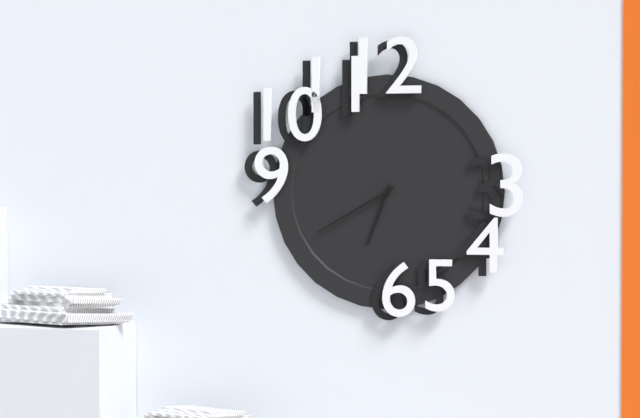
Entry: 6.40
